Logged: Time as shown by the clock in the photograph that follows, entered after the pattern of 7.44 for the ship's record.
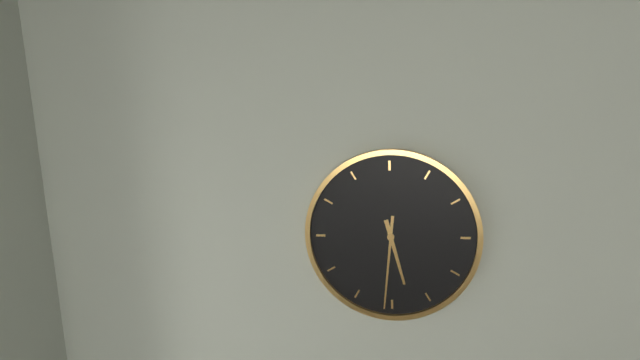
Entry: 5.31
